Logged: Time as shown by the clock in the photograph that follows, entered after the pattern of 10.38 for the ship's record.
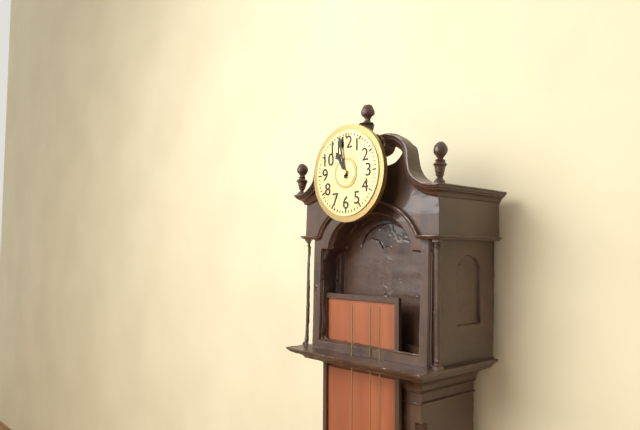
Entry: 10.58
